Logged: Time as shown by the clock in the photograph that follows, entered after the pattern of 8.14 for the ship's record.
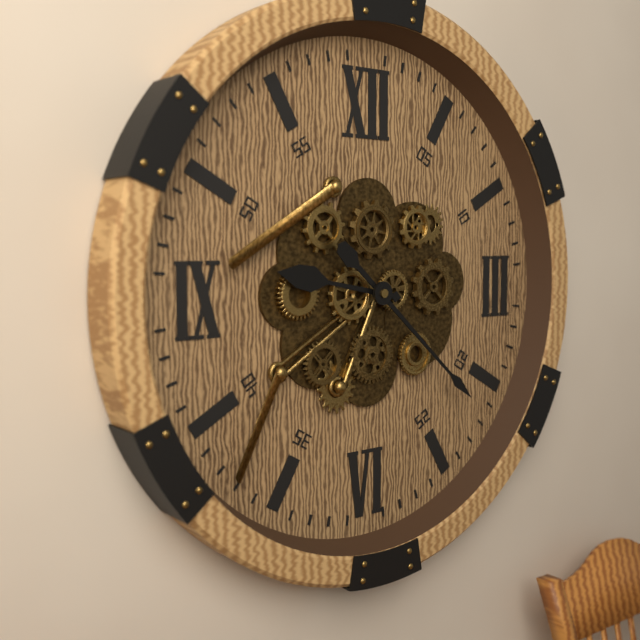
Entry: 9.22
